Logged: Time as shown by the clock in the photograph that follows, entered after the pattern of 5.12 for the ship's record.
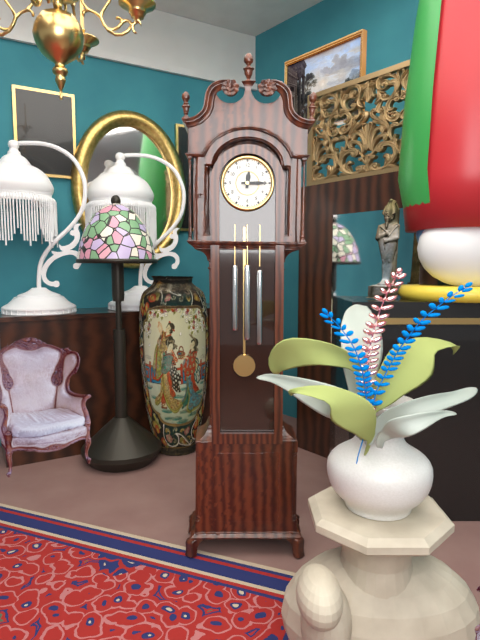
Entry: 12.15
